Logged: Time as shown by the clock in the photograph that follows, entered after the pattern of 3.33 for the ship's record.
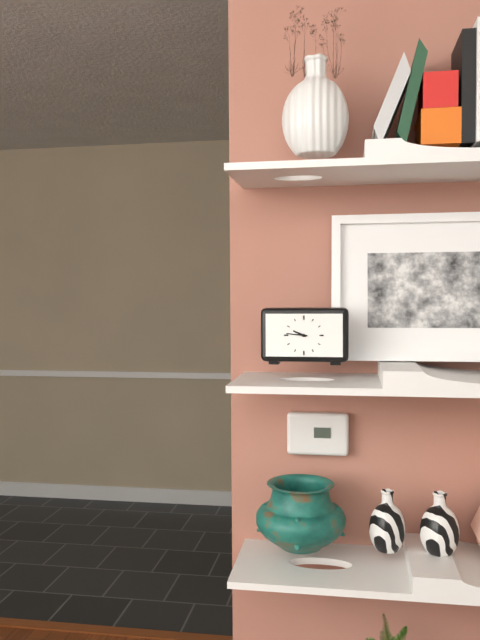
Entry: 9.46
